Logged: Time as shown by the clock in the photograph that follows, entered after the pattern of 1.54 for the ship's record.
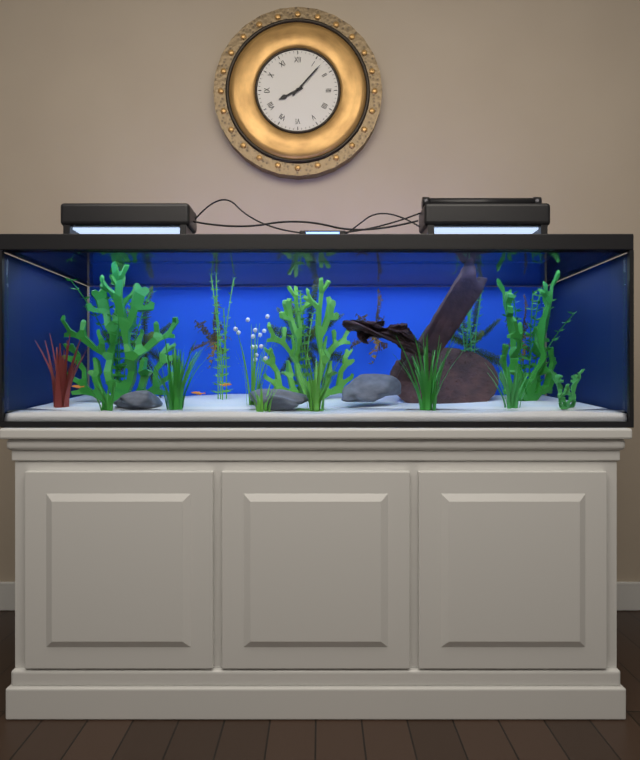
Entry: 8.07
